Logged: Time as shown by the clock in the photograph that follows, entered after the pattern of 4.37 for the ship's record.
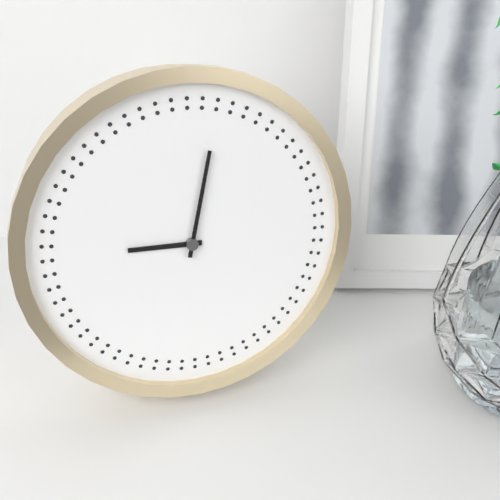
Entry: 9.02
